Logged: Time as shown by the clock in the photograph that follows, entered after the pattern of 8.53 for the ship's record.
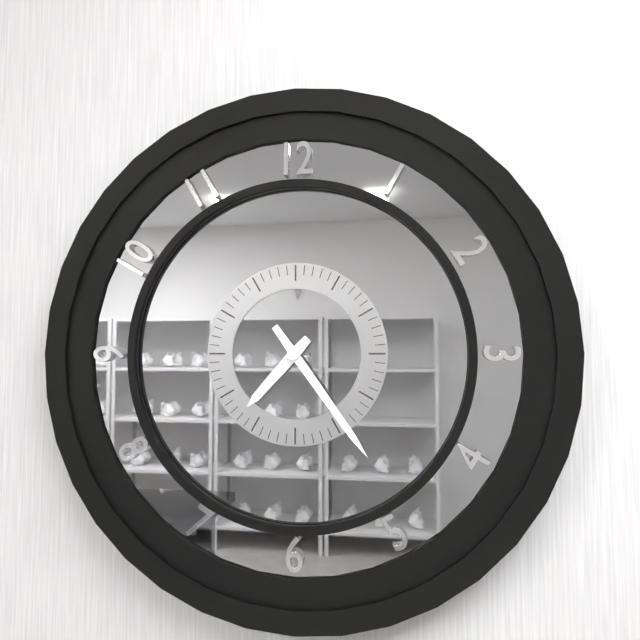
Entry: 7.24
